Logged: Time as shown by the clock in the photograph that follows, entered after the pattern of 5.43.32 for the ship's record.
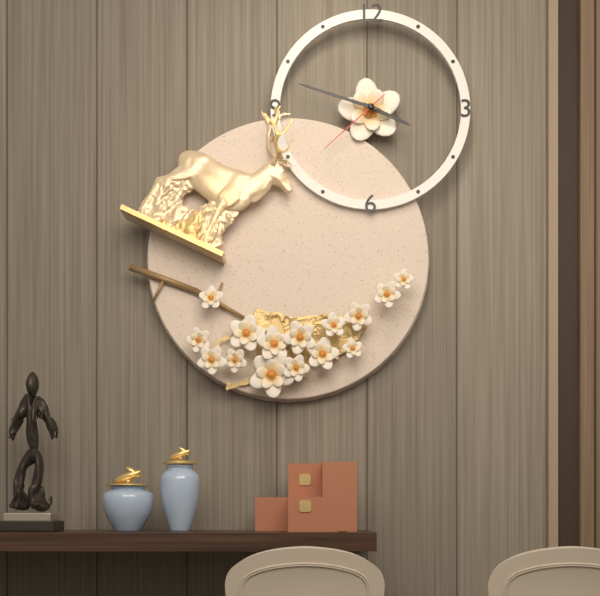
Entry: 3.48.38
